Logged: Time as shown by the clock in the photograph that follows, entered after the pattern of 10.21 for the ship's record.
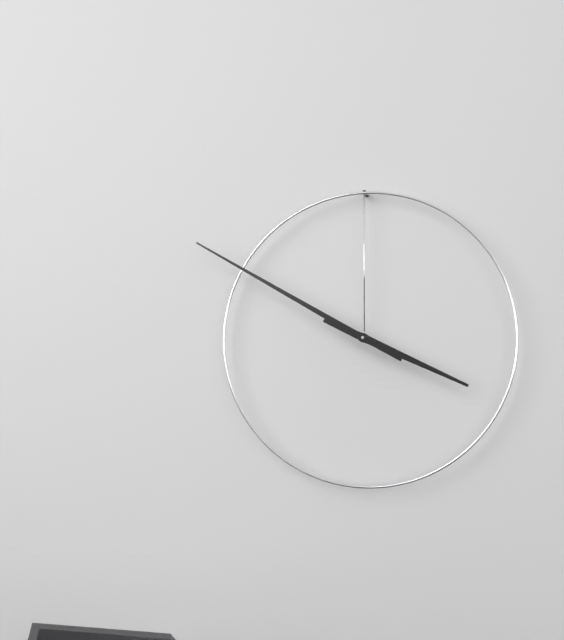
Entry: 3.50
